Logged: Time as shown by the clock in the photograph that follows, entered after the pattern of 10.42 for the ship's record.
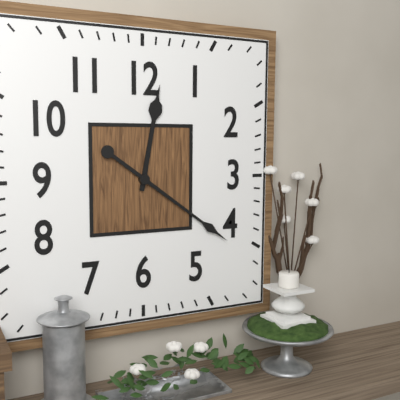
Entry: 12.21
